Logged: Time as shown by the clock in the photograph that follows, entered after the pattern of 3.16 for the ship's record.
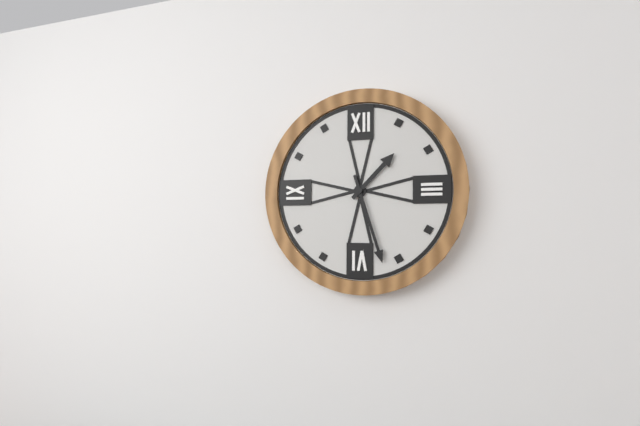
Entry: 1.27
